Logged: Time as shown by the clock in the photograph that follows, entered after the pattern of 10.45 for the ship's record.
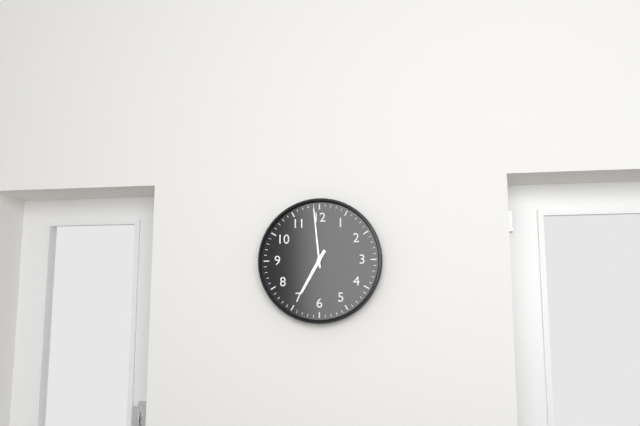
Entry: 6.59
